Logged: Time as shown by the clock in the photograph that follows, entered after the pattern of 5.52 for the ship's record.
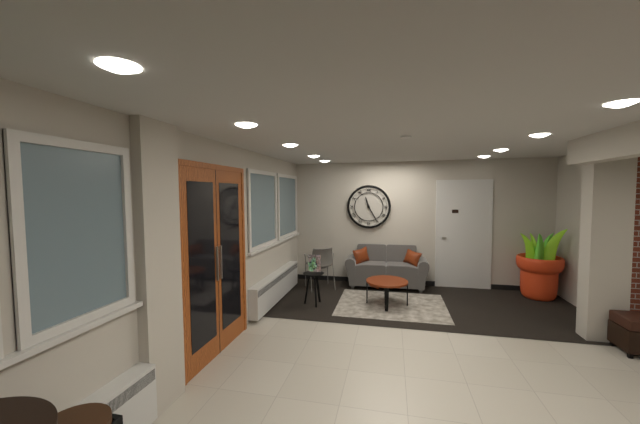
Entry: 11.25
